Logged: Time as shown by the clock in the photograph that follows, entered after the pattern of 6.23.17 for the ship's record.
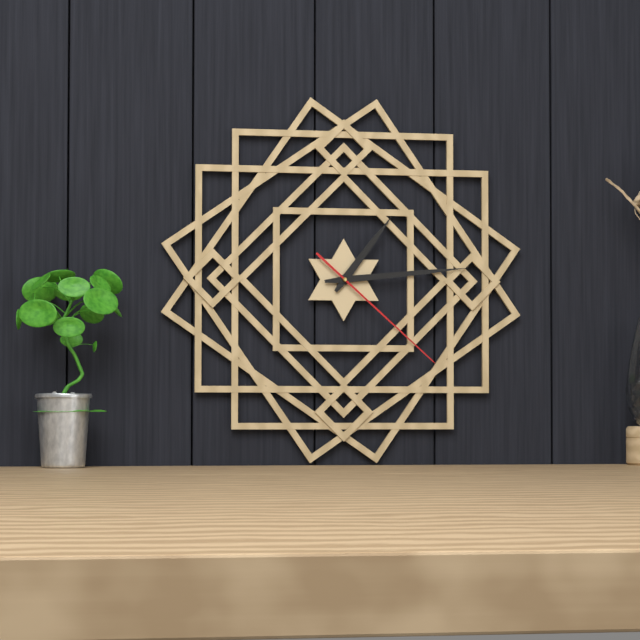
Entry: 1.14.22
